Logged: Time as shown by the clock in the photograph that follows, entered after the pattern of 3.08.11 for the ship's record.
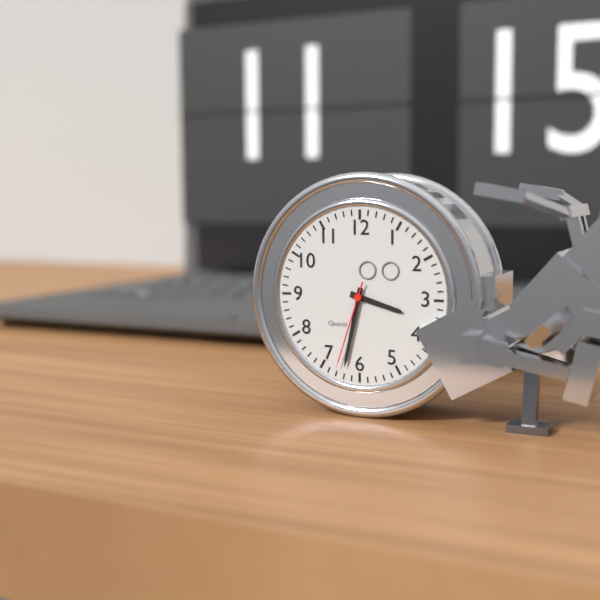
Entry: 3.32.33
